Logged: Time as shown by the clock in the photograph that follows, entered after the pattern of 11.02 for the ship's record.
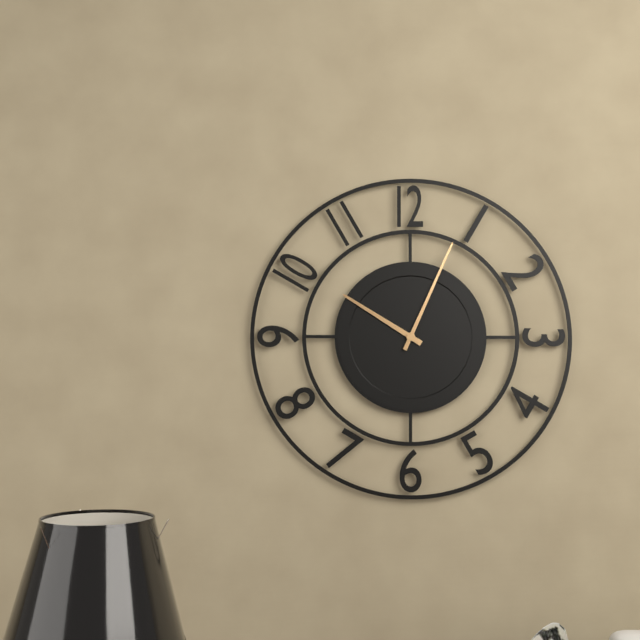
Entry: 10.04
